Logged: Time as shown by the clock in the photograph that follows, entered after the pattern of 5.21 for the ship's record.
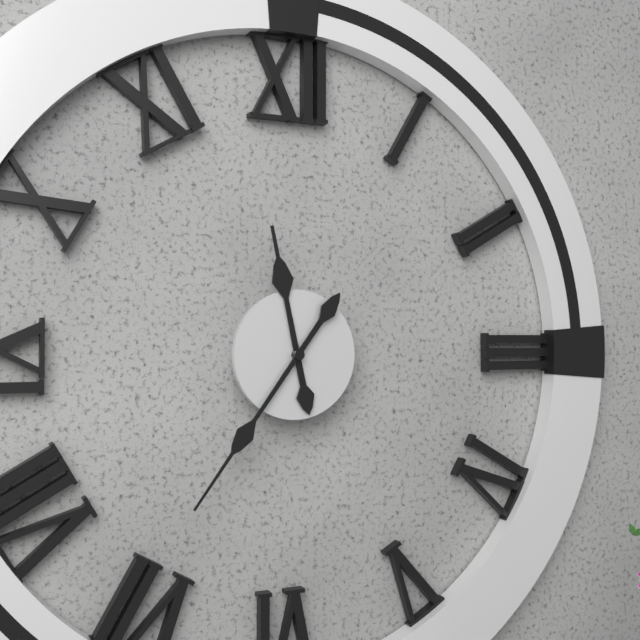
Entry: 11.36
